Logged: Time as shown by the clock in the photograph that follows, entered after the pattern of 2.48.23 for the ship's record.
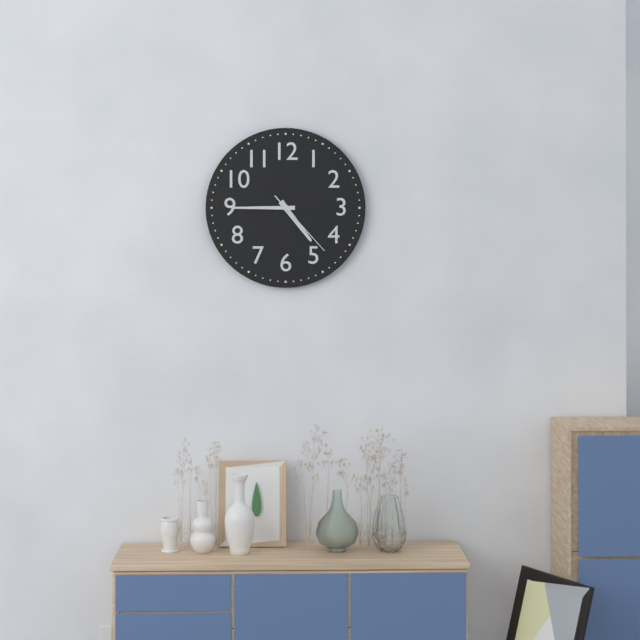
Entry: 4.45.23
